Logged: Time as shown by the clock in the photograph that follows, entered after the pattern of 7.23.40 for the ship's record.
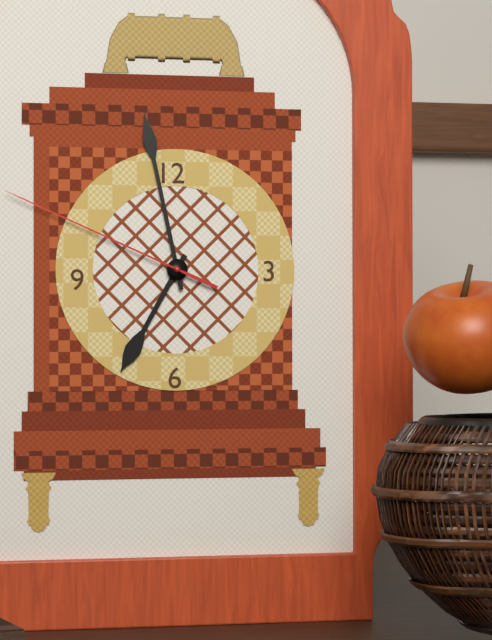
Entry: 6.58.49
